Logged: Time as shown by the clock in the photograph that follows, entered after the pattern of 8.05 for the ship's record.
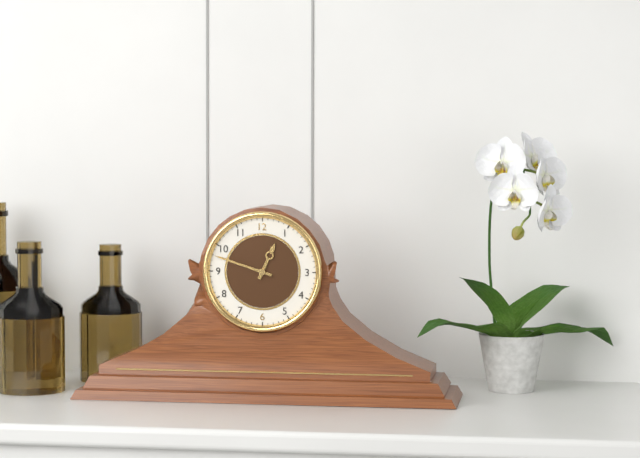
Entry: 12.48
